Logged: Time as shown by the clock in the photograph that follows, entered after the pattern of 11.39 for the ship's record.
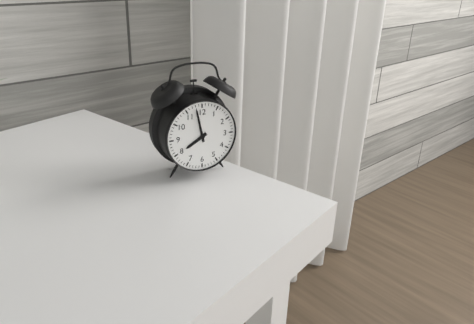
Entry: 7.58
